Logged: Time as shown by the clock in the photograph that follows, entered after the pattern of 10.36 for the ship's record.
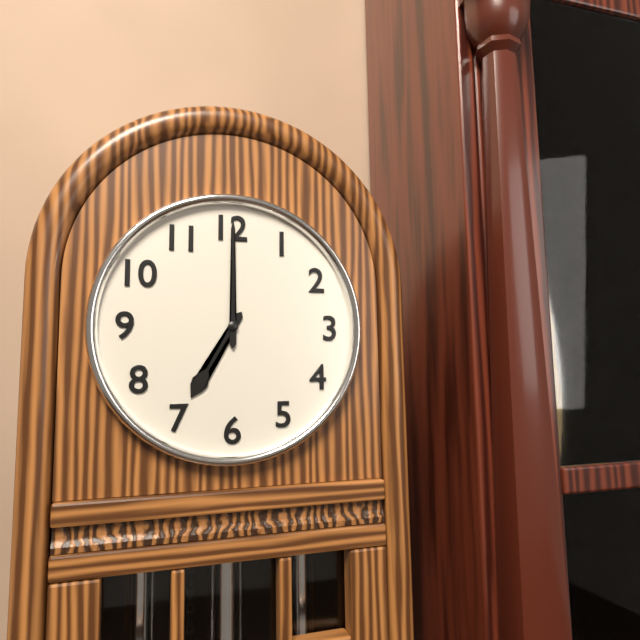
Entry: 7.00
